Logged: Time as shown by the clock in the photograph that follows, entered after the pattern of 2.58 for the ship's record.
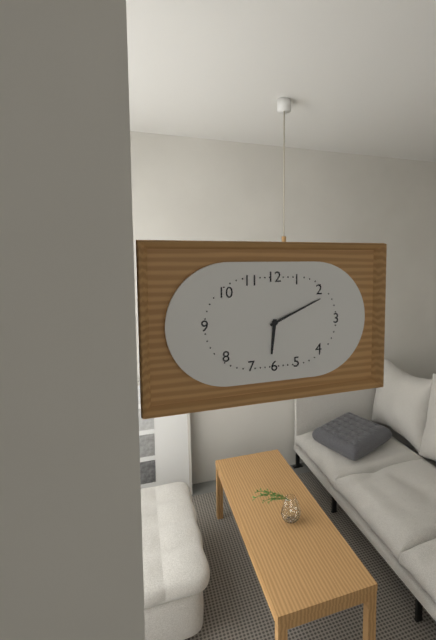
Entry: 6.11
